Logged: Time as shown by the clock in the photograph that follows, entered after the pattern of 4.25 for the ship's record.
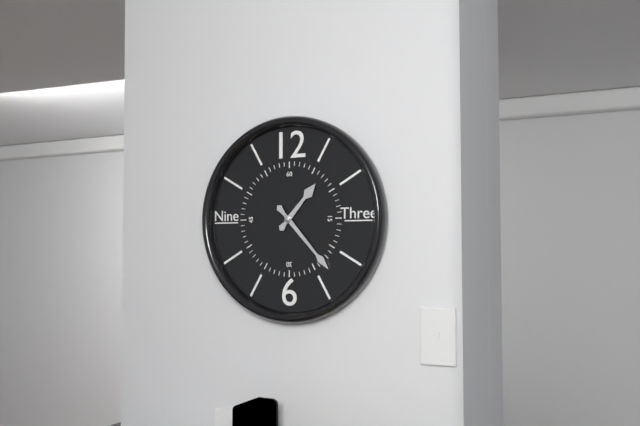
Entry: 1.23
